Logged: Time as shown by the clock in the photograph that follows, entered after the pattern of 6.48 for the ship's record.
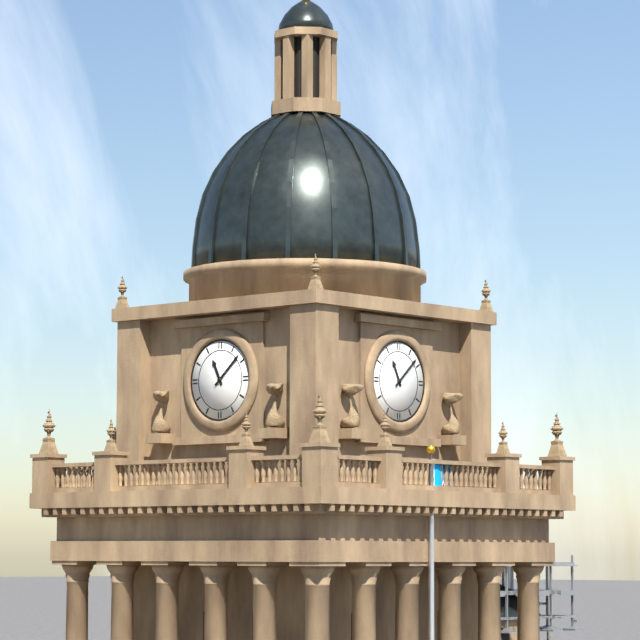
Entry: 11.08
